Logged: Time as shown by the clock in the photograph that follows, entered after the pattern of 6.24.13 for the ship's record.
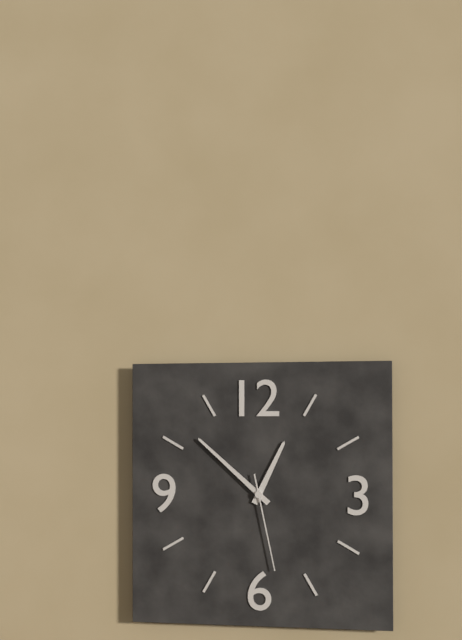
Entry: 12.52.28
